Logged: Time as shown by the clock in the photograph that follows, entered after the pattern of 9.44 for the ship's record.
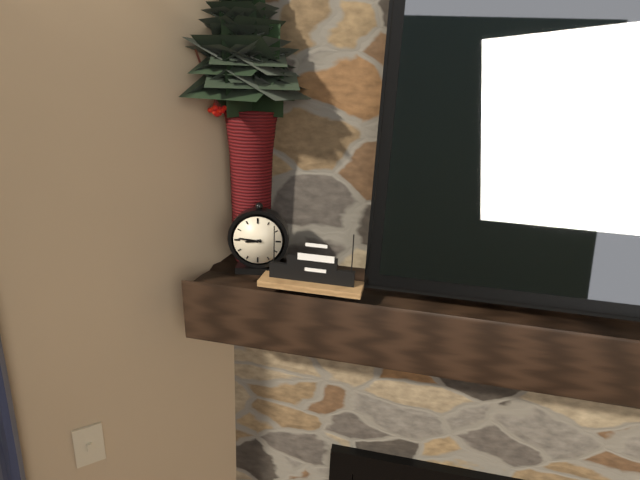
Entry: 8.46
